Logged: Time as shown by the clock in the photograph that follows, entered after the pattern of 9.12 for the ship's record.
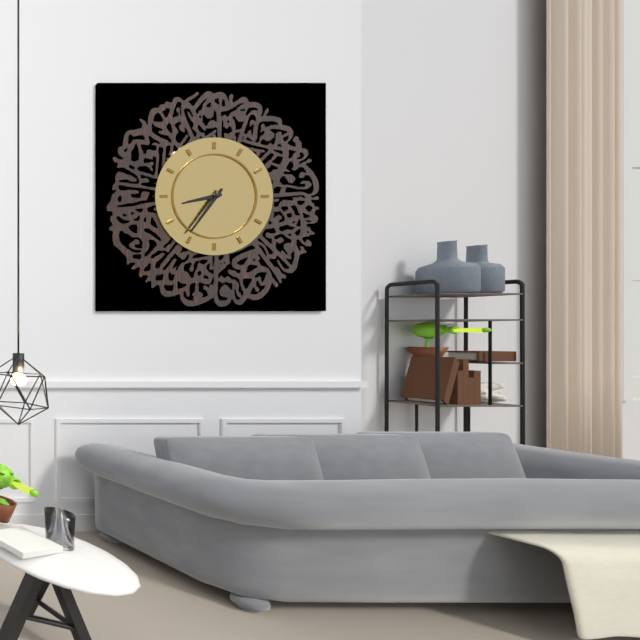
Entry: 8.36
